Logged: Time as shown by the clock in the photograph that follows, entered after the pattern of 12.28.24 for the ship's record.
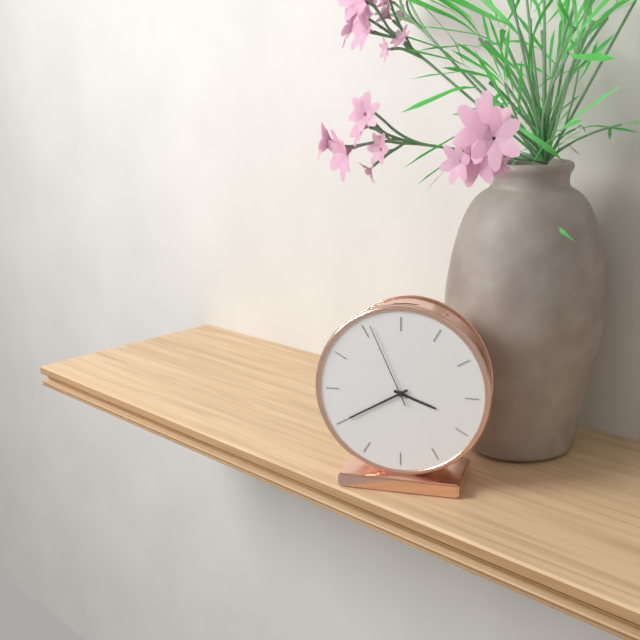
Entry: 3.40.56
